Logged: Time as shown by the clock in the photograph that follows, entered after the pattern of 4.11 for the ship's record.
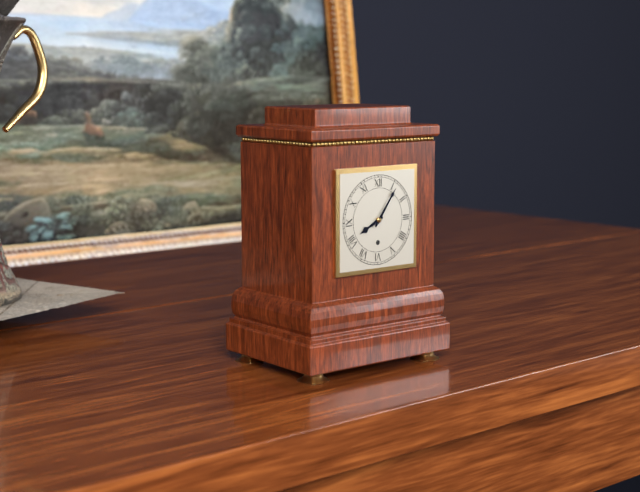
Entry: 8.06
